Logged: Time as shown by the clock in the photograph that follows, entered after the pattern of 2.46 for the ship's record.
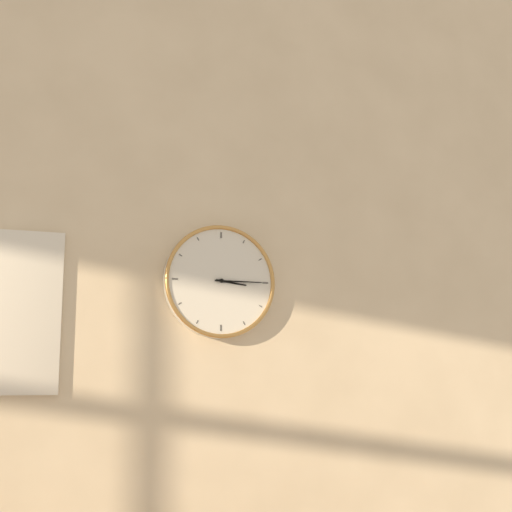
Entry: 3.15
